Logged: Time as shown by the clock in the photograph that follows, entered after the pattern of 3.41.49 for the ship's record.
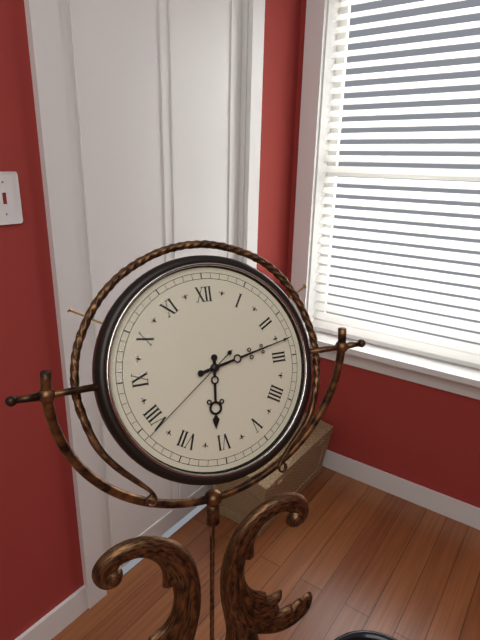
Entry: 6.13.39
